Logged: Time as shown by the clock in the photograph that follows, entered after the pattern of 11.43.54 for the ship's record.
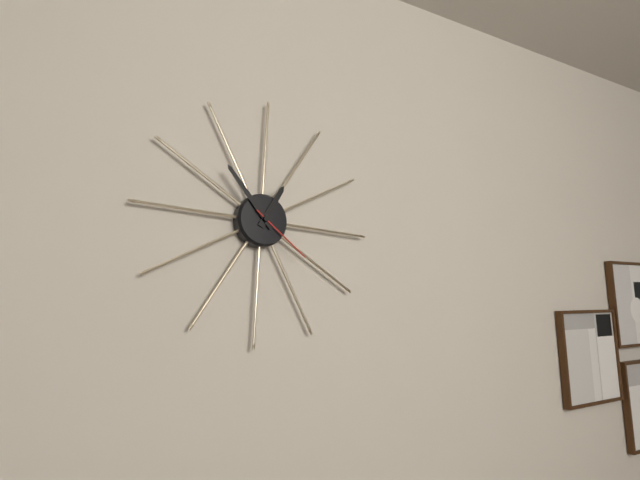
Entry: 12.53.21
